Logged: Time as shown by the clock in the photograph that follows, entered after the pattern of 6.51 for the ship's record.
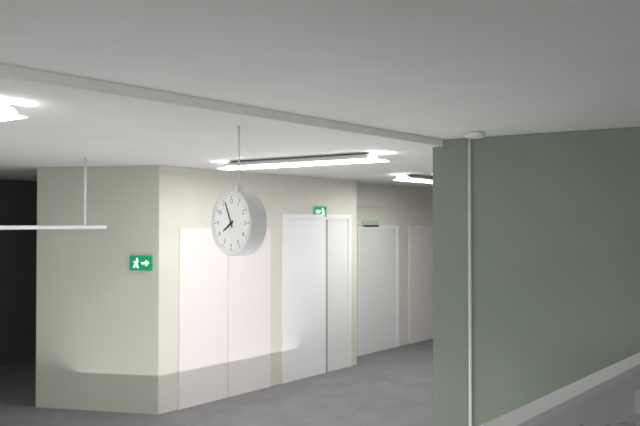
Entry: 7.56
